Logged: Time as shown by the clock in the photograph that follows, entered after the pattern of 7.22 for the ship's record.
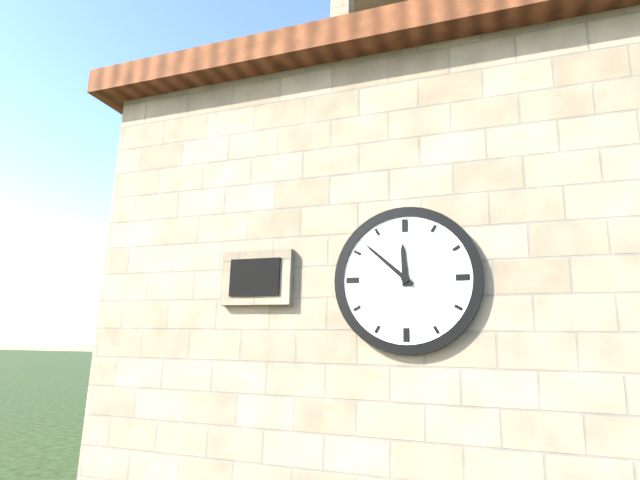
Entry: 11.52
